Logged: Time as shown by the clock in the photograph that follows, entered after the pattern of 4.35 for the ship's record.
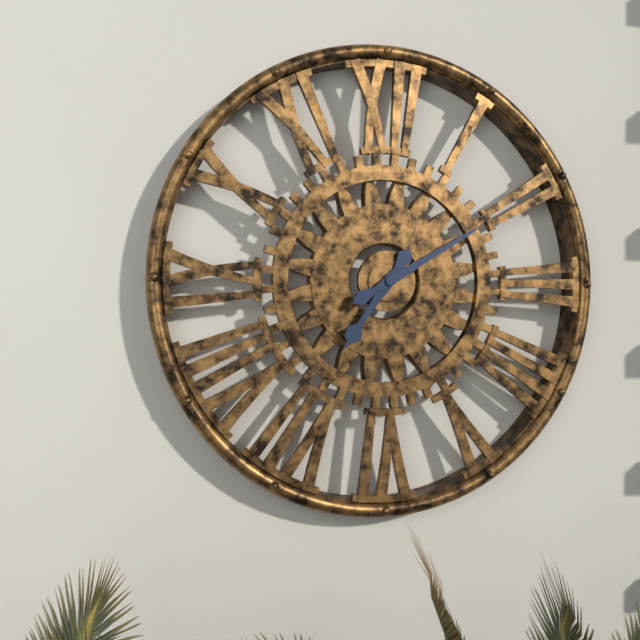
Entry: 7.10
